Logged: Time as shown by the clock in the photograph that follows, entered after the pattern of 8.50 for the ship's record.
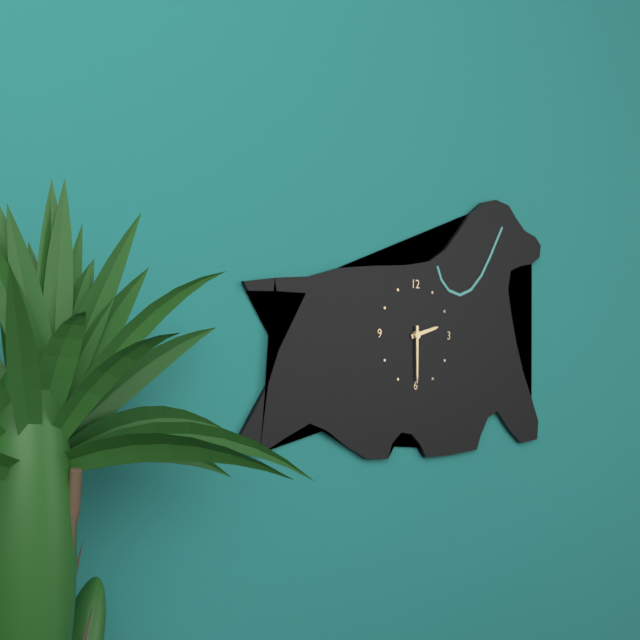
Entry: 2.30
